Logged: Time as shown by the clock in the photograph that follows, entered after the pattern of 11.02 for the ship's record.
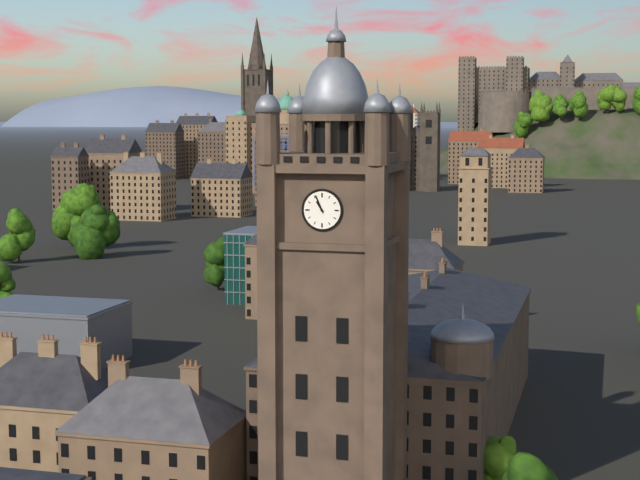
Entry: 10.56
